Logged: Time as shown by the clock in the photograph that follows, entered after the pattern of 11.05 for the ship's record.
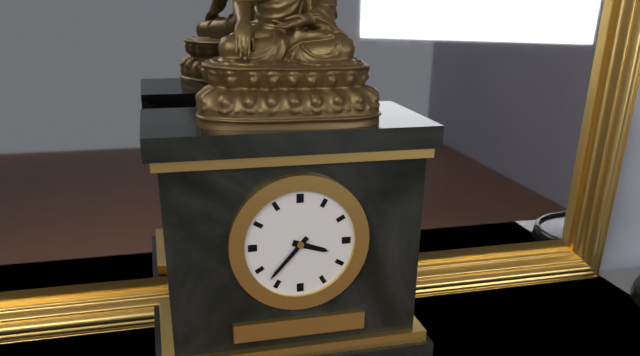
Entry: 3.37
